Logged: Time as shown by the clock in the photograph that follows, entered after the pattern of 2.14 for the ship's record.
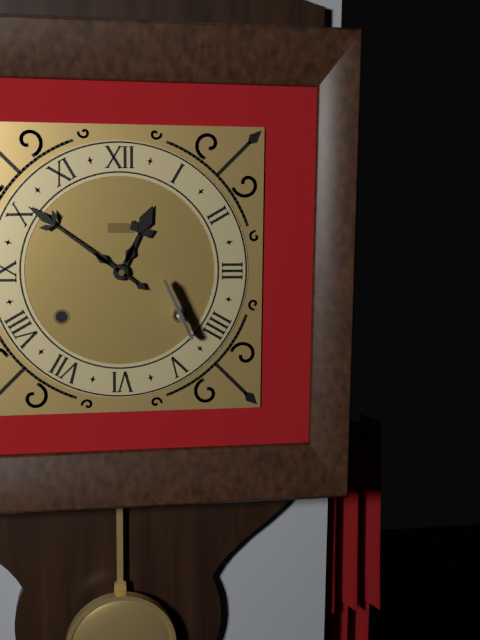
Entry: 12.51
